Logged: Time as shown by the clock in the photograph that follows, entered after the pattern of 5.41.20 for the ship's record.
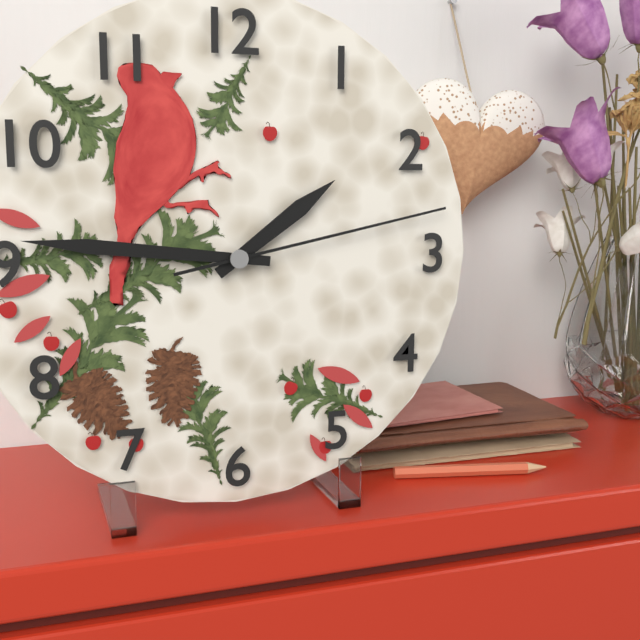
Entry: 1.46.13
